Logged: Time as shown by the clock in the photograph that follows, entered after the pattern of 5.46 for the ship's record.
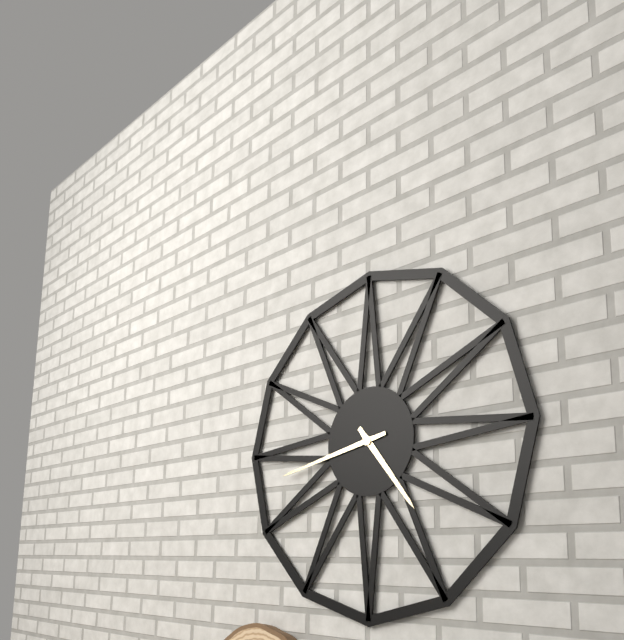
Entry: 4.43
